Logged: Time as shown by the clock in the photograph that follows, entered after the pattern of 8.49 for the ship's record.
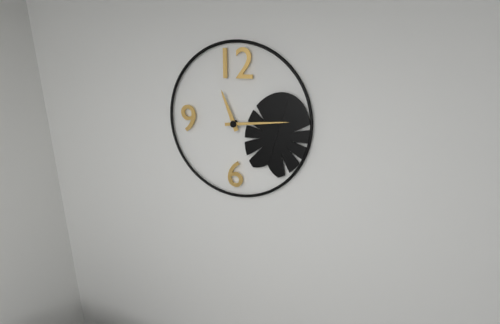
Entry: 11.14
